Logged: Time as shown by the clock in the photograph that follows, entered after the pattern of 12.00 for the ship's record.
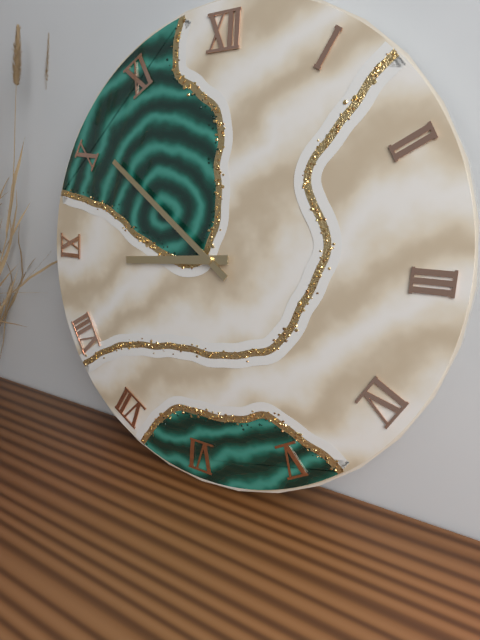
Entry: 8.51
